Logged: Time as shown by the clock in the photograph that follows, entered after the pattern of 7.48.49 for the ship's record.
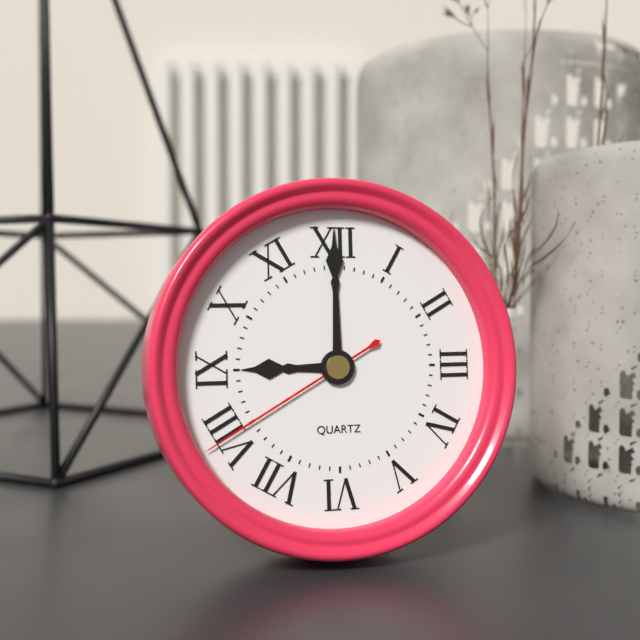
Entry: 9.00.40
